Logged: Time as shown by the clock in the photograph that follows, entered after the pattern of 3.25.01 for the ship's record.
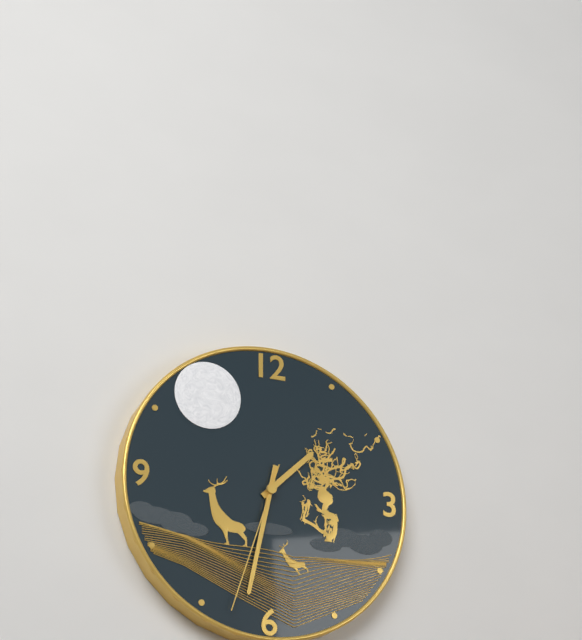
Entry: 1.32.33
